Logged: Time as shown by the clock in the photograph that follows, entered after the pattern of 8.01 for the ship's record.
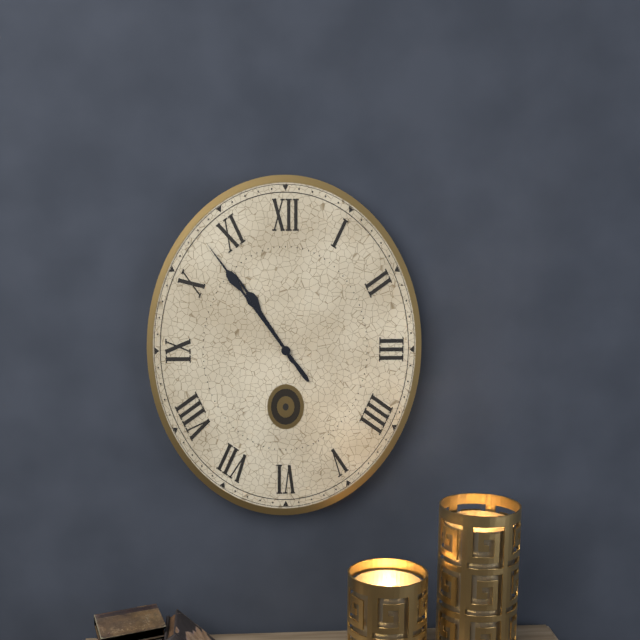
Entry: 10.54
